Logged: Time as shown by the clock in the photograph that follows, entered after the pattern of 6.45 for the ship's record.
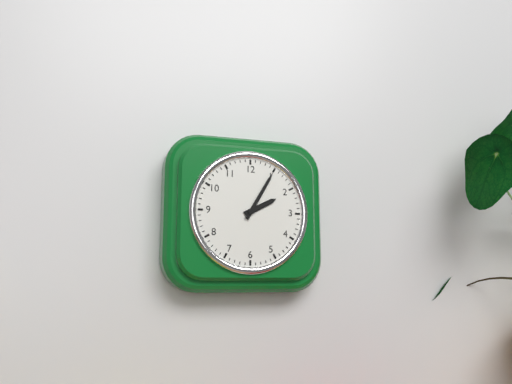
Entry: 2.05
